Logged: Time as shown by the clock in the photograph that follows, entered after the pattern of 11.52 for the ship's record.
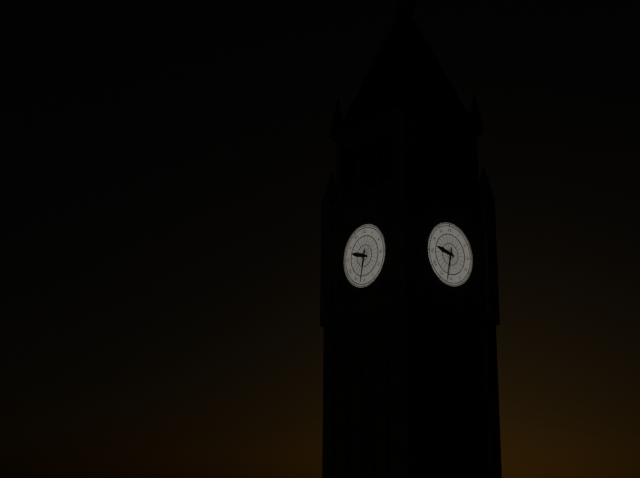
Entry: 9.32
